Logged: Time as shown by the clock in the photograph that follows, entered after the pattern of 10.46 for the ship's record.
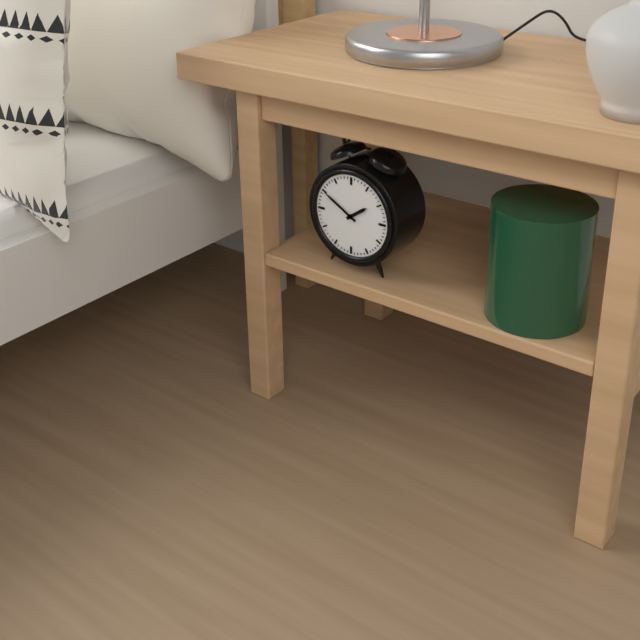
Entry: 1.50
